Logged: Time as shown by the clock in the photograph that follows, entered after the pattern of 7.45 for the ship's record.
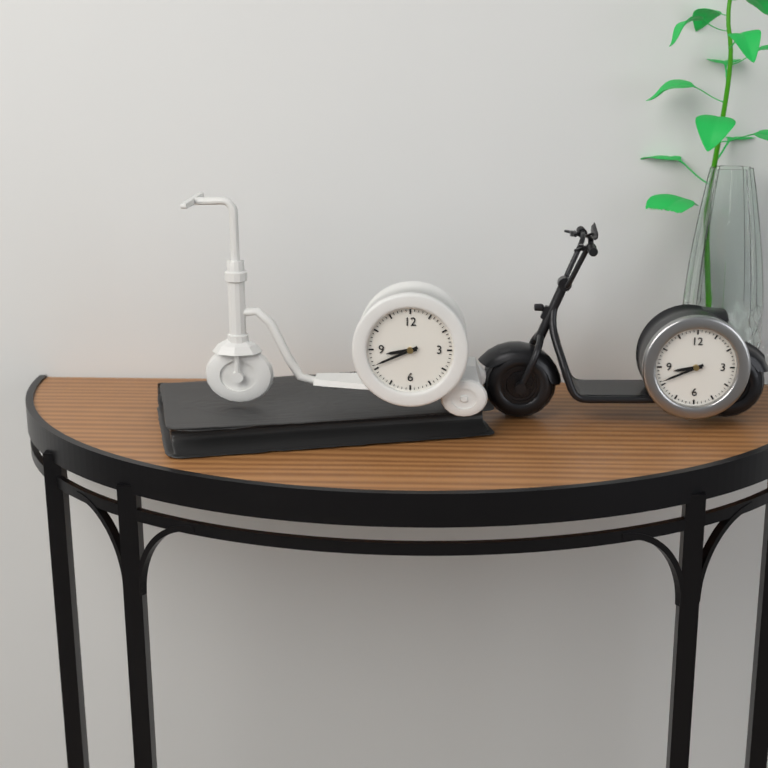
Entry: 8.41
